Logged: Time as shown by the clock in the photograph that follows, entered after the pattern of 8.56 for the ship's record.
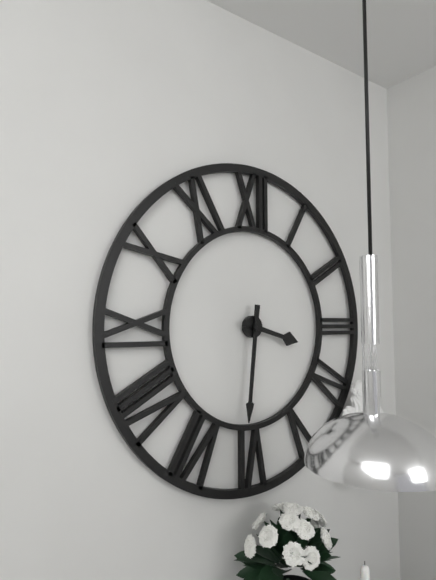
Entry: 3.31
